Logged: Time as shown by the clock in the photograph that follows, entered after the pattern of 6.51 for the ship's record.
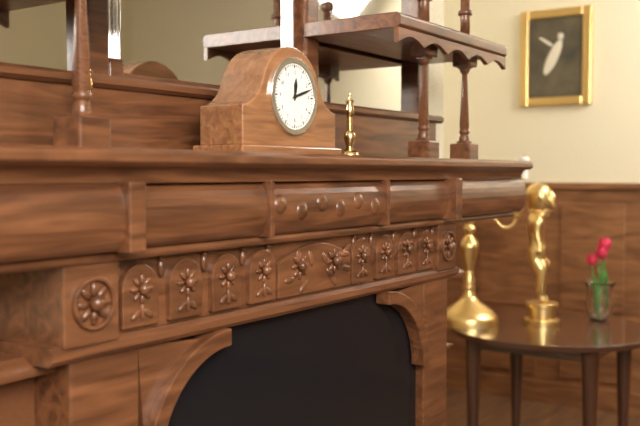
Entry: 12.12
